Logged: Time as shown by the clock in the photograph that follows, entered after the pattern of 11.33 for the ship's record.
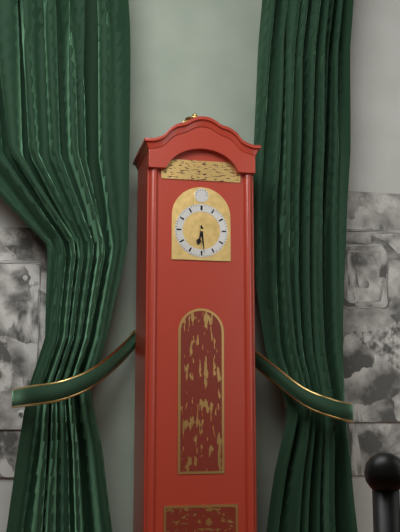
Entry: 6.29
